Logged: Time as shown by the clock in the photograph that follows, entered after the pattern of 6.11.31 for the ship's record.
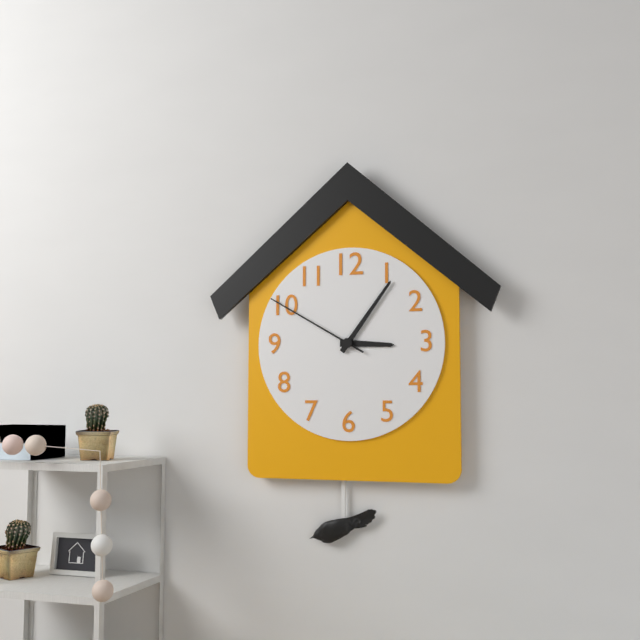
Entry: 3.06.50
